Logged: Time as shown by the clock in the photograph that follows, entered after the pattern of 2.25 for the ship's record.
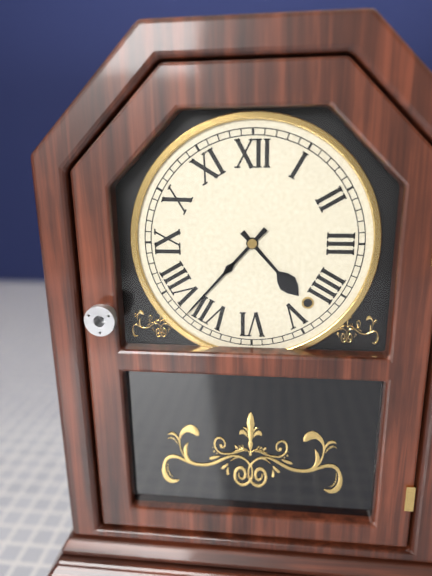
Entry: 4.37
